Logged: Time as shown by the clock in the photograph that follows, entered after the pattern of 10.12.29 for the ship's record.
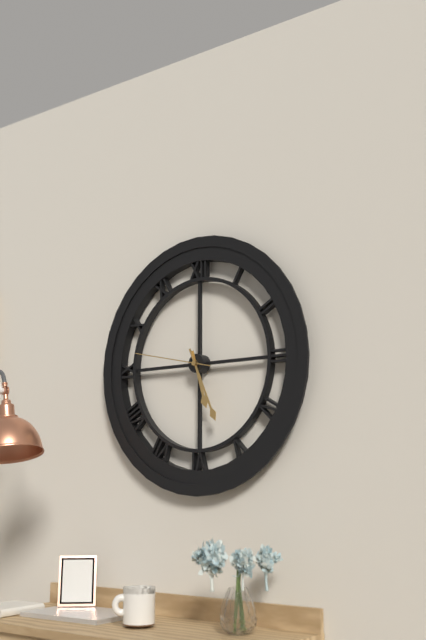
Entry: 5.26.47
